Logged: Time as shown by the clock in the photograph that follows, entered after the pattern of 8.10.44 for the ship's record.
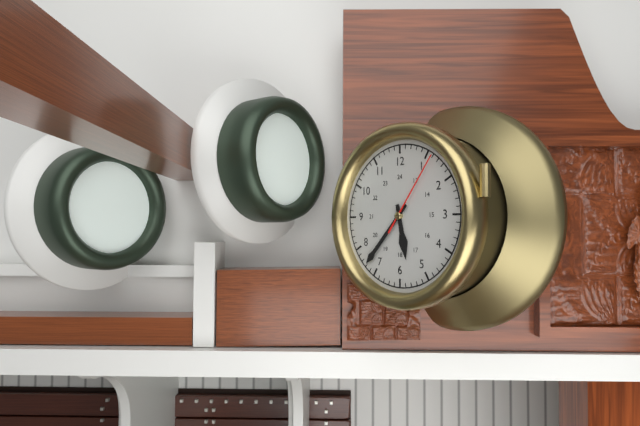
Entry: 5.37.06
